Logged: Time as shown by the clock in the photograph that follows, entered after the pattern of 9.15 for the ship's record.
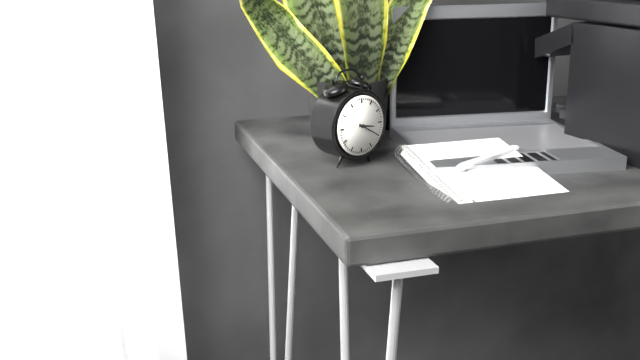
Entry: 3.20
